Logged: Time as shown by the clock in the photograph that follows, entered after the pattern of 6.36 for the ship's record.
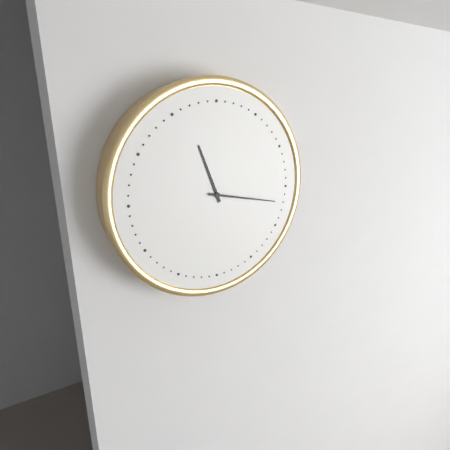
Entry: 11.17
